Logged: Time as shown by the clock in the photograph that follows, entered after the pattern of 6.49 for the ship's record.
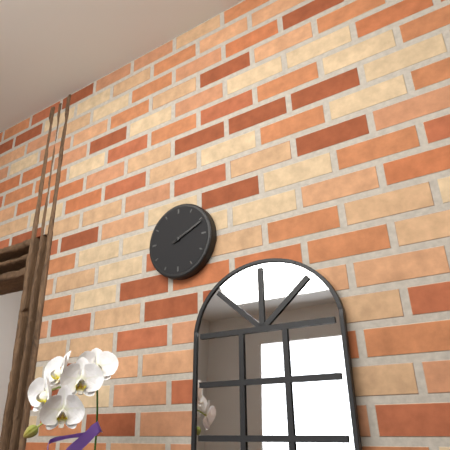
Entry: 2.11
